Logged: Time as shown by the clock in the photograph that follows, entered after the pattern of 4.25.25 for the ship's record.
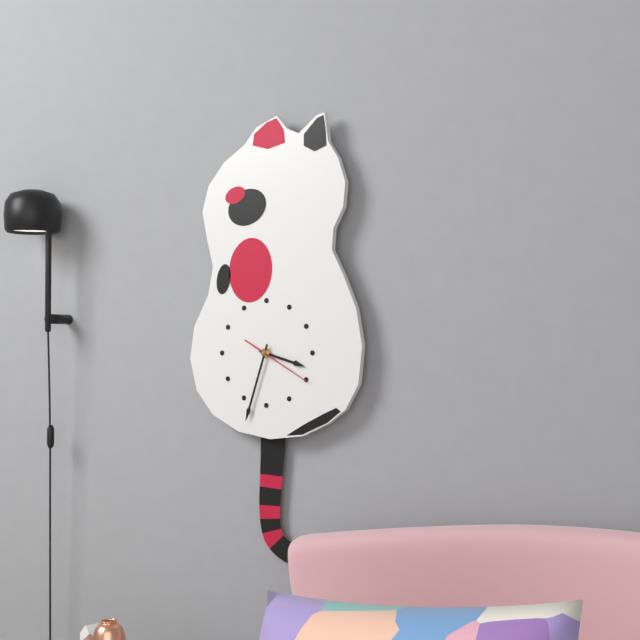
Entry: 3.33.20
